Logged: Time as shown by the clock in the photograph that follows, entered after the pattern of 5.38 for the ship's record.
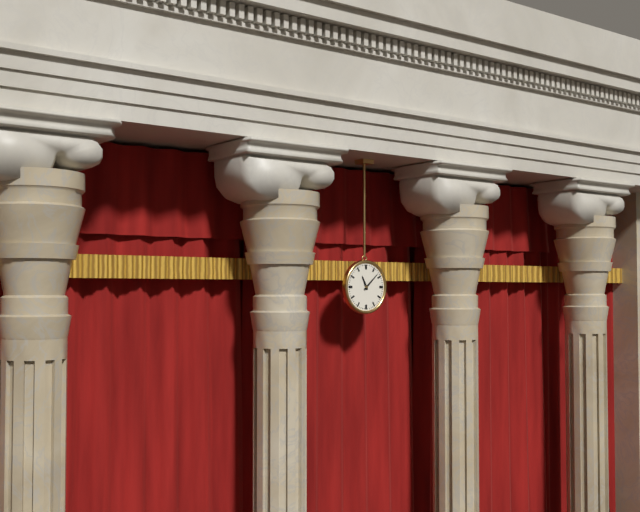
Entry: 11.08
